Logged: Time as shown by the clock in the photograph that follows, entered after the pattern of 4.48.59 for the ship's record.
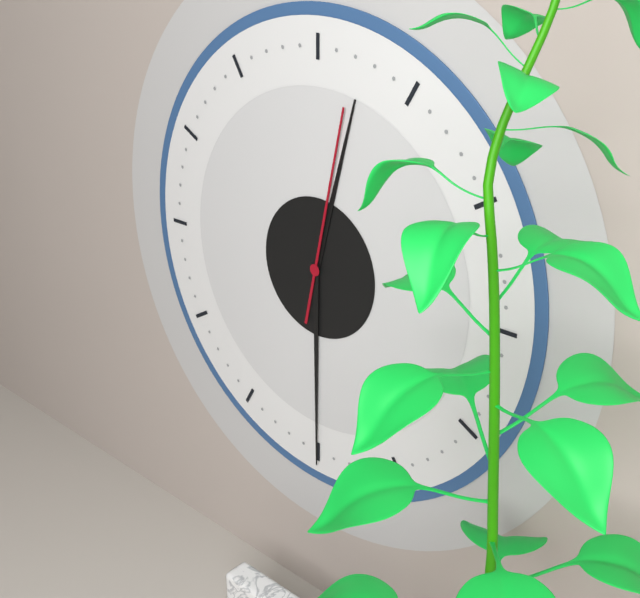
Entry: 12.30.02
